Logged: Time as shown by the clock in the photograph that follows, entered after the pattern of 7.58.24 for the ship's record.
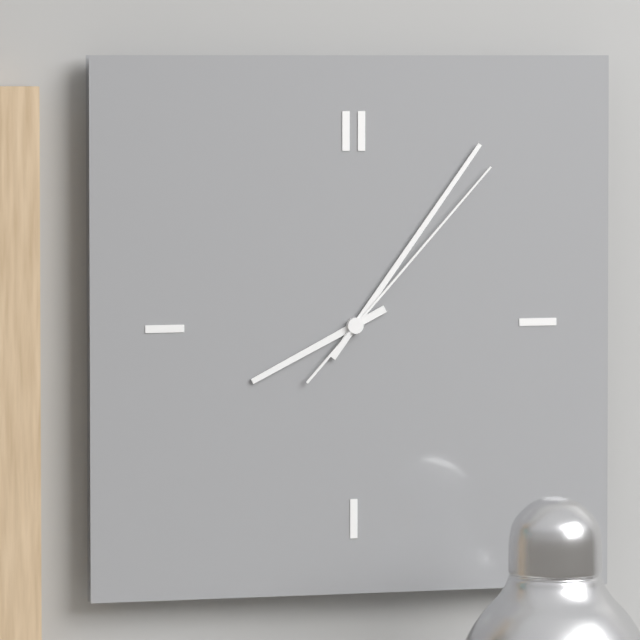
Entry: 8.06.07
